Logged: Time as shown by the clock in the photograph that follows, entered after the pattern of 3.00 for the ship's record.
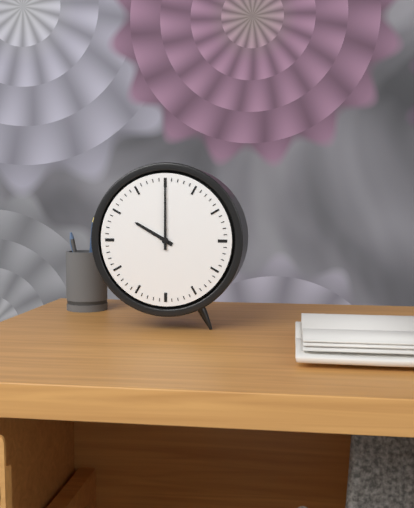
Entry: 10.00
